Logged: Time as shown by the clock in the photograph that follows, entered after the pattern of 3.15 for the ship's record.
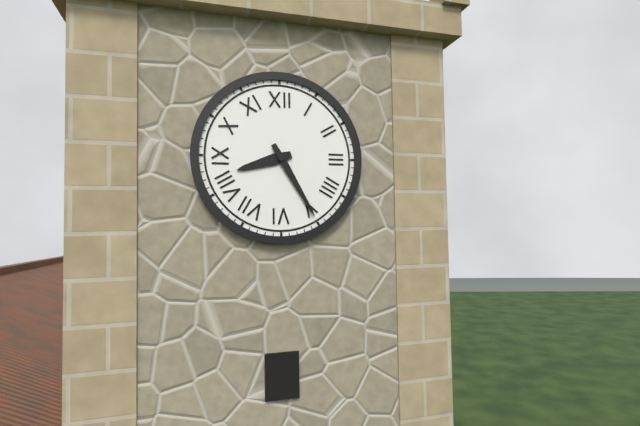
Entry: 8.25
